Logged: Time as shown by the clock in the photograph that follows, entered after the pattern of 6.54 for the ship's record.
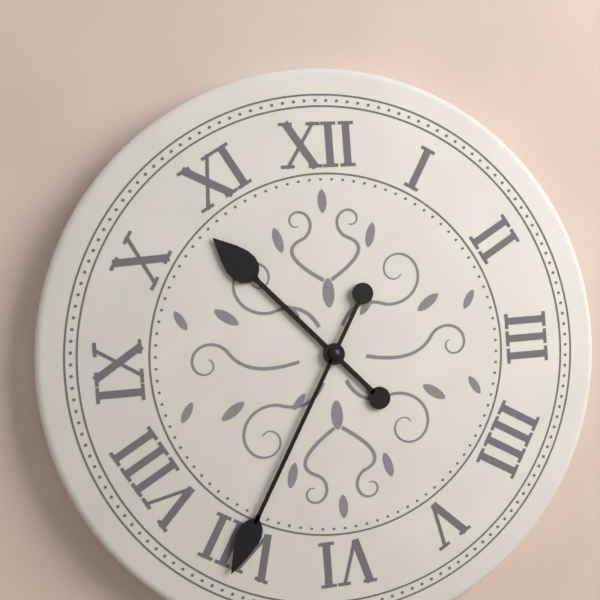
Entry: 10.35
